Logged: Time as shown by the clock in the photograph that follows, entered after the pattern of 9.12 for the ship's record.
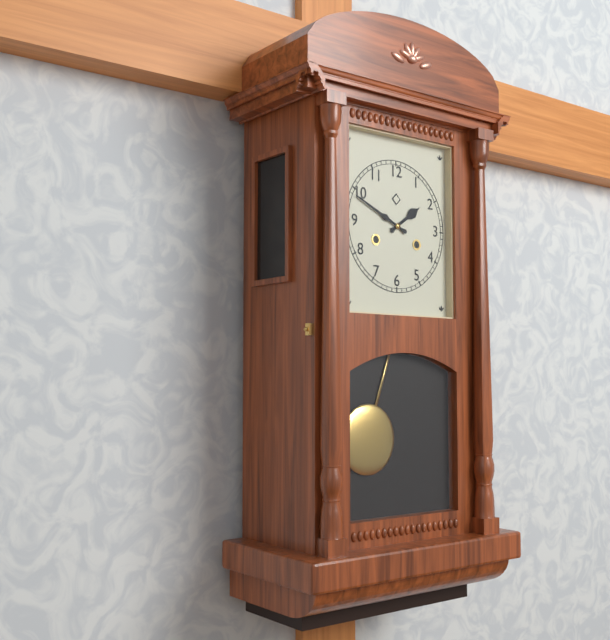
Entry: 1.49
